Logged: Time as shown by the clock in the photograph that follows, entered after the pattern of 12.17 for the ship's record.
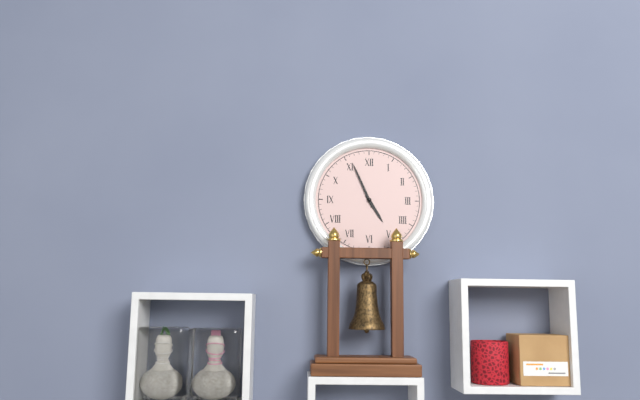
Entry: 4.56
